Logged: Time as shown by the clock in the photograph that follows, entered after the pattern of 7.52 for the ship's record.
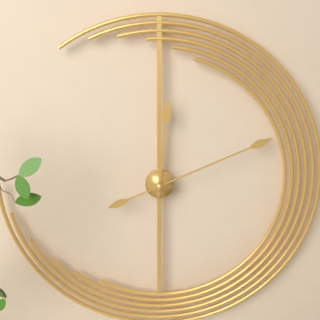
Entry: 12.11
